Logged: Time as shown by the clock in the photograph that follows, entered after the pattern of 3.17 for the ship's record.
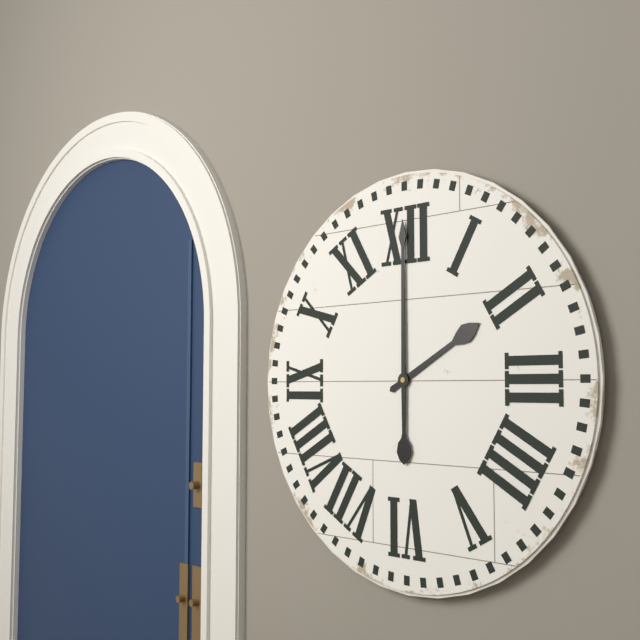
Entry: 2.00
